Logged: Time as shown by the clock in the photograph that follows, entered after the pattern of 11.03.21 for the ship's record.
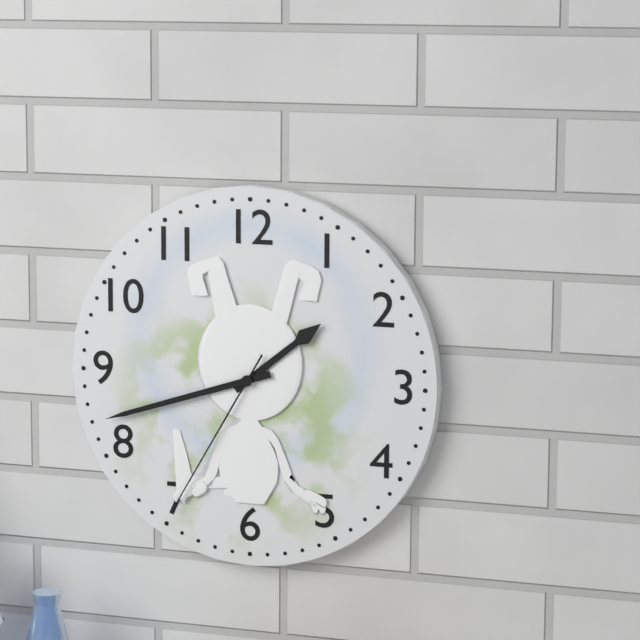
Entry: 1.42.35
